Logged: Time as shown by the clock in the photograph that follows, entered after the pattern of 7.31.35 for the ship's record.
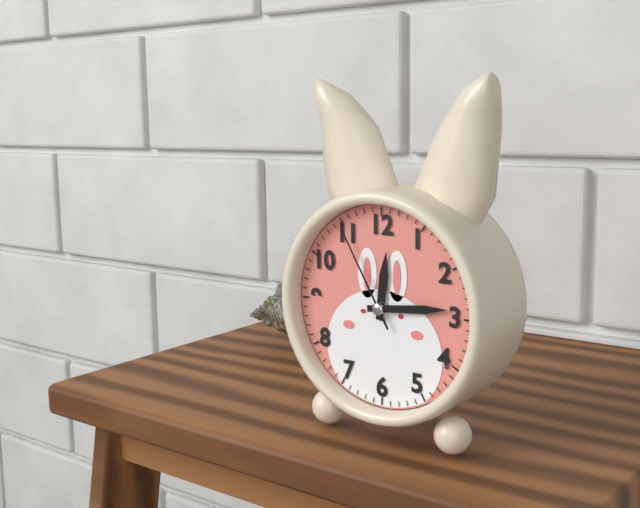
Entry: 12.14.55
